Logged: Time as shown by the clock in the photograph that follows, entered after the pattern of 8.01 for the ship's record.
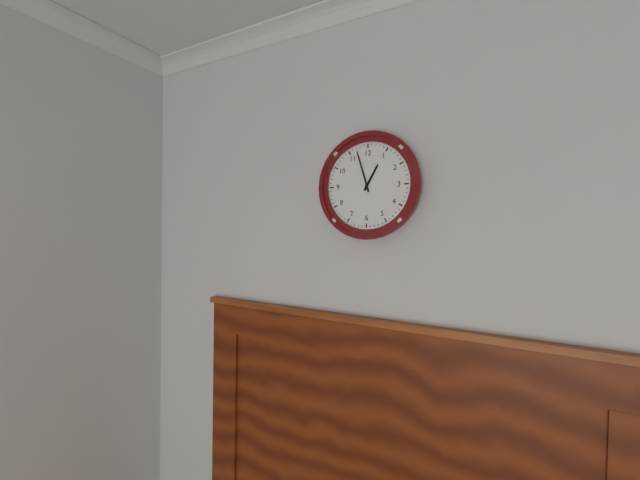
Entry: 12.57
